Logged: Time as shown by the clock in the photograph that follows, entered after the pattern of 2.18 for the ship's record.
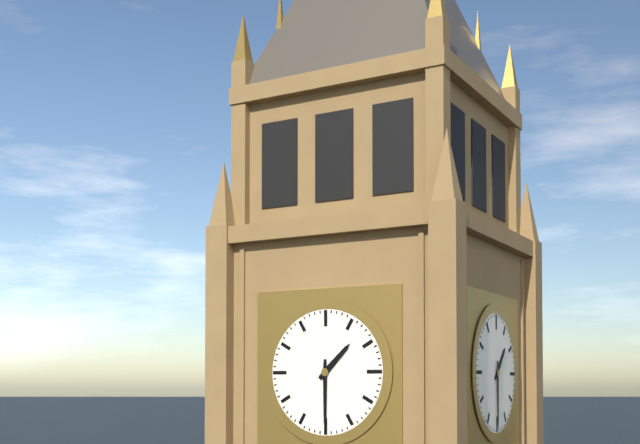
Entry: 1.30
